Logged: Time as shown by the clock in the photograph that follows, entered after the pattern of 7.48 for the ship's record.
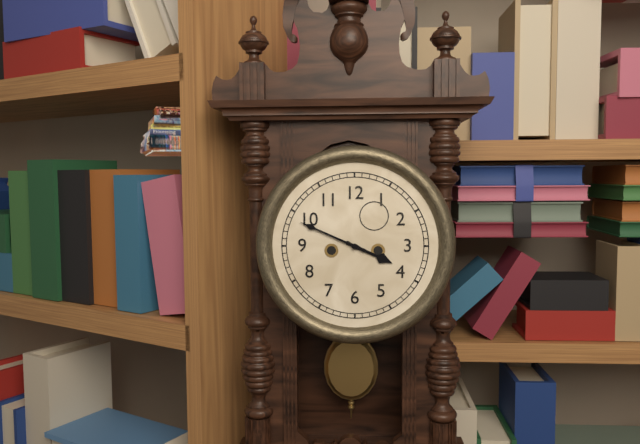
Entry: 3.49
